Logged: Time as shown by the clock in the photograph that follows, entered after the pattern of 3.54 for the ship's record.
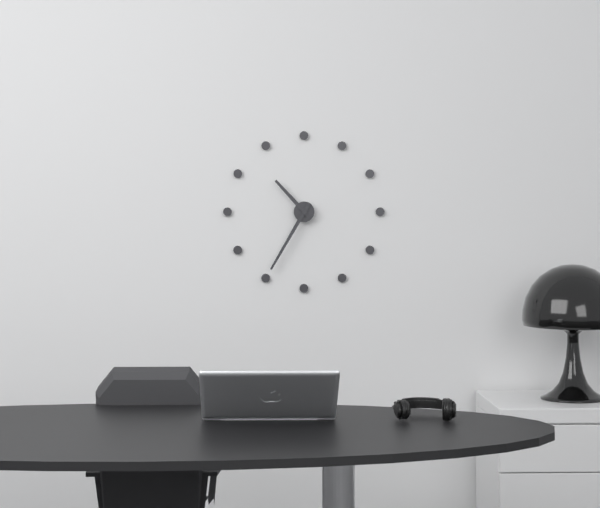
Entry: 10.35
